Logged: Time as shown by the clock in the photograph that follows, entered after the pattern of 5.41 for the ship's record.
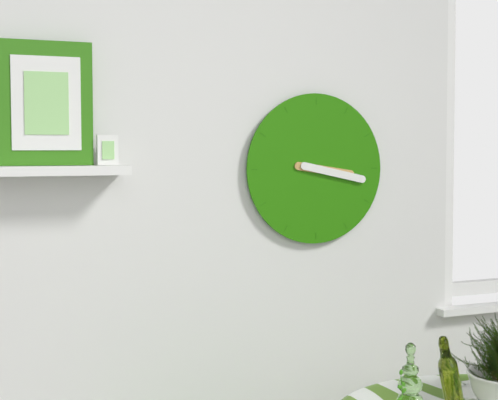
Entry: 3.17
